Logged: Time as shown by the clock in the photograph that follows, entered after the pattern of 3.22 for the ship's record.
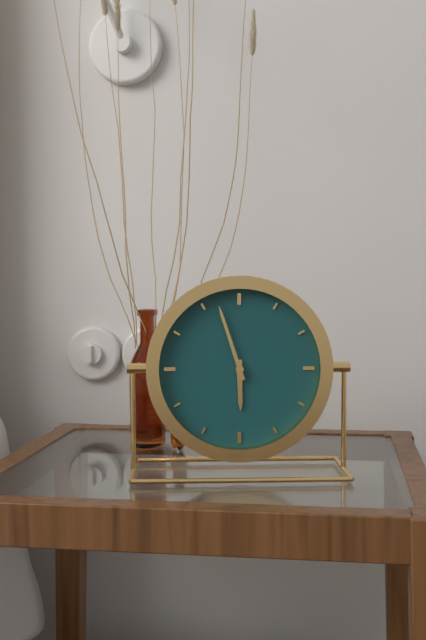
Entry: 5.57
